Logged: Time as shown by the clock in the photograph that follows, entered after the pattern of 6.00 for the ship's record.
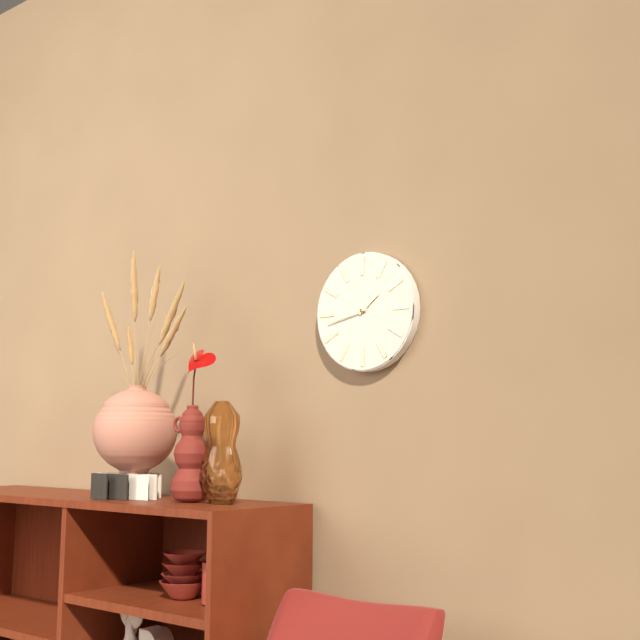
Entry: 1.43
